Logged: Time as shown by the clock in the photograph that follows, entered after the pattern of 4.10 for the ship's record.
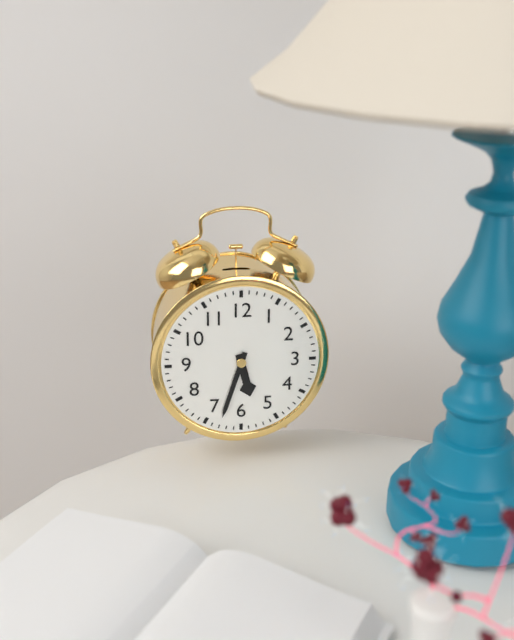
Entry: 5.33
